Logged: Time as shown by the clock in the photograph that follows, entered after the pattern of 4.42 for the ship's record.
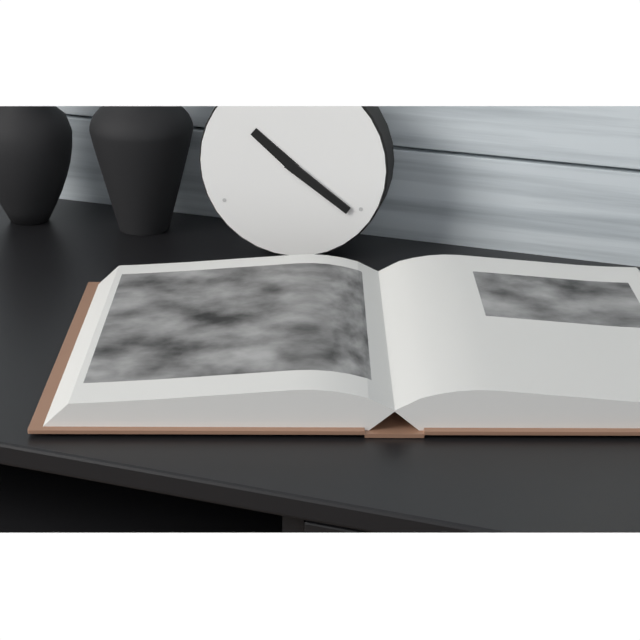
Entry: 10.21
